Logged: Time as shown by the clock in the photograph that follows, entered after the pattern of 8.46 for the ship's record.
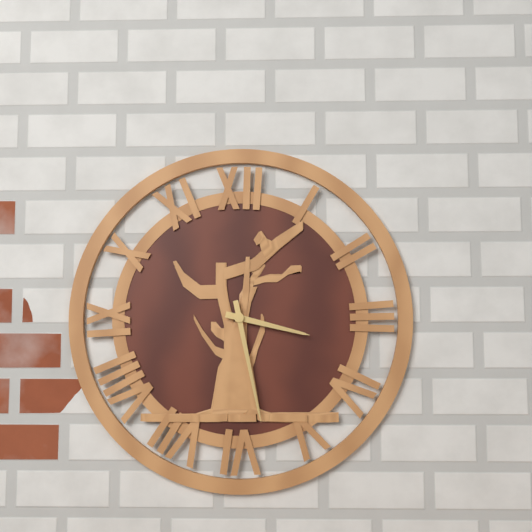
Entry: 3.28
